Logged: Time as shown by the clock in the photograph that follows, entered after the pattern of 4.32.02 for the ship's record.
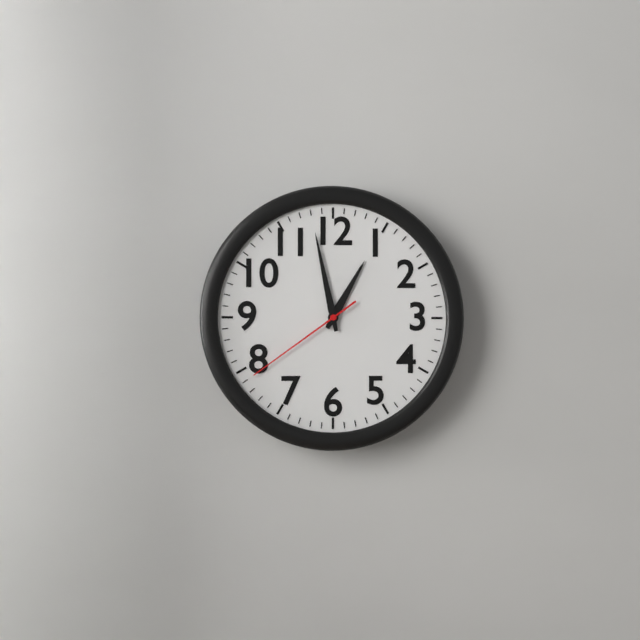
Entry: 12.58.39
